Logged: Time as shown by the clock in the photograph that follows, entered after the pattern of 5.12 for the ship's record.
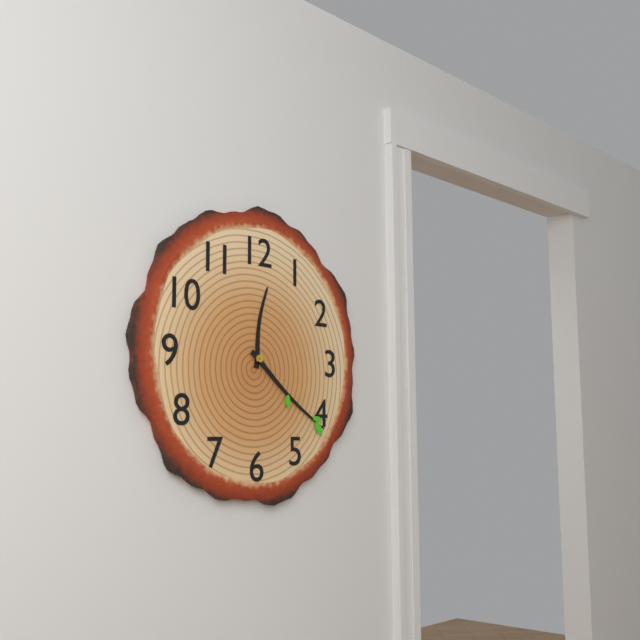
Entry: 12.21
